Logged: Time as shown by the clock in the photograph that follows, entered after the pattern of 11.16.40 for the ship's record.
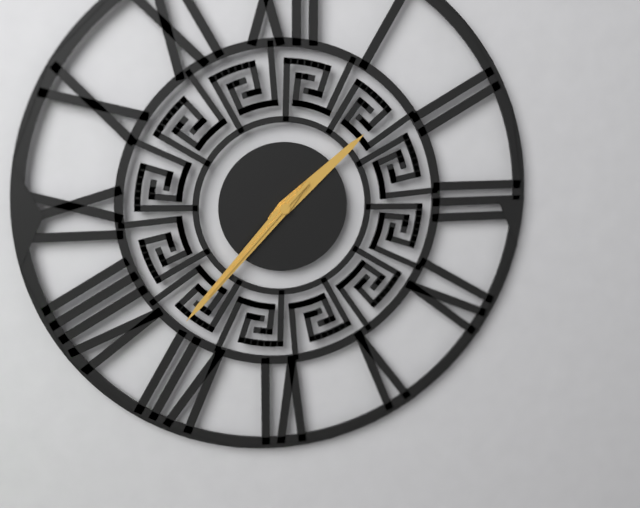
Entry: 1.37.37
